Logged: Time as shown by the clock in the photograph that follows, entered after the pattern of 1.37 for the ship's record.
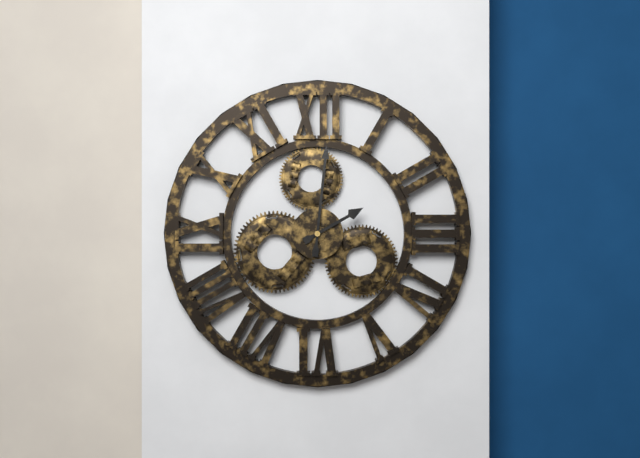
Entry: 2.01
